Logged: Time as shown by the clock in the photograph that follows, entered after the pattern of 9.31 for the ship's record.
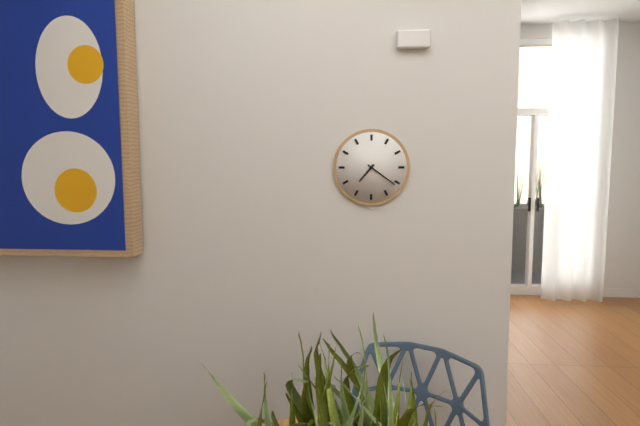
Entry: 7.21
